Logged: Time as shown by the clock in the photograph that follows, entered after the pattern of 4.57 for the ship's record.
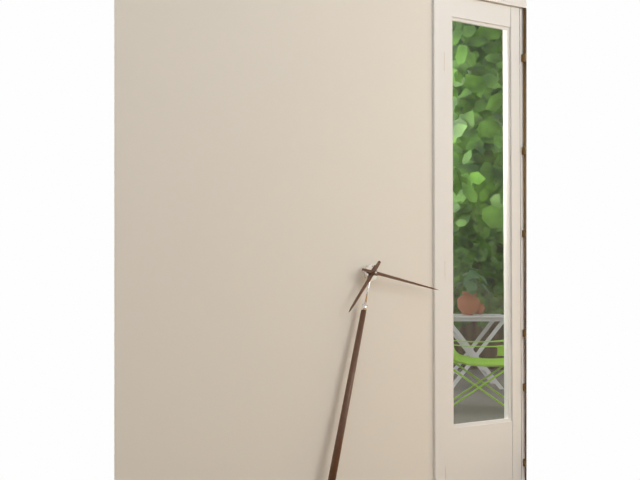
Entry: 7.17
